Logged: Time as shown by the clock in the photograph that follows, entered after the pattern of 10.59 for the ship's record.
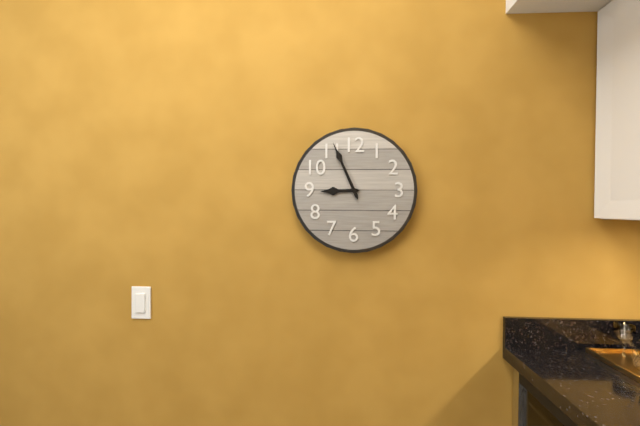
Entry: 8.56
